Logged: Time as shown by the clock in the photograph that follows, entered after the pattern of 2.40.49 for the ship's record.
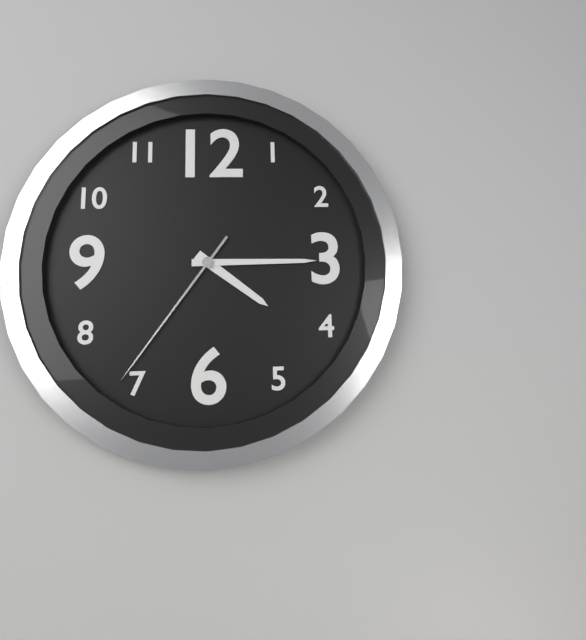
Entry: 4.15.36
